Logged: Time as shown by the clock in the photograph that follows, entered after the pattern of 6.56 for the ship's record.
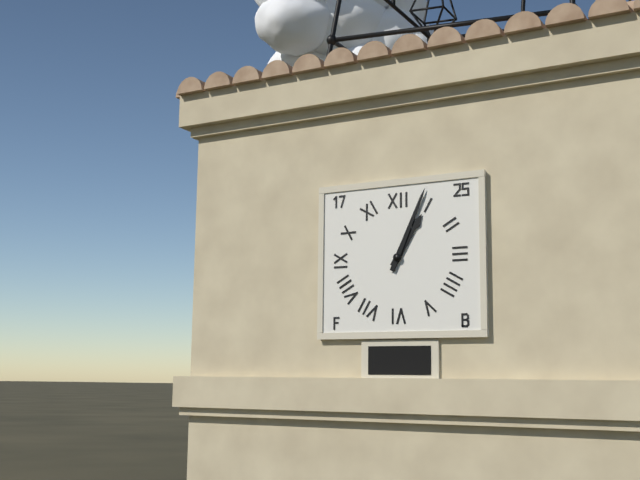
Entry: 1.04
